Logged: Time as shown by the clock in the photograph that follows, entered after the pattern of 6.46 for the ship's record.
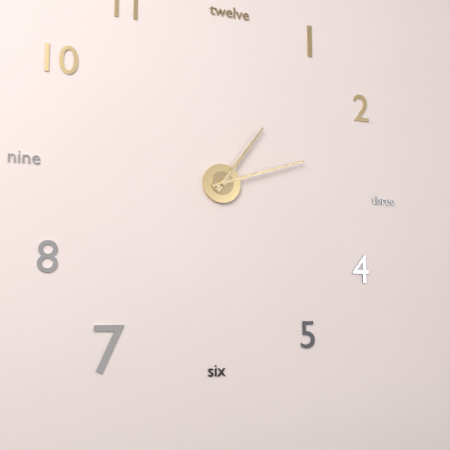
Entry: 1.12
